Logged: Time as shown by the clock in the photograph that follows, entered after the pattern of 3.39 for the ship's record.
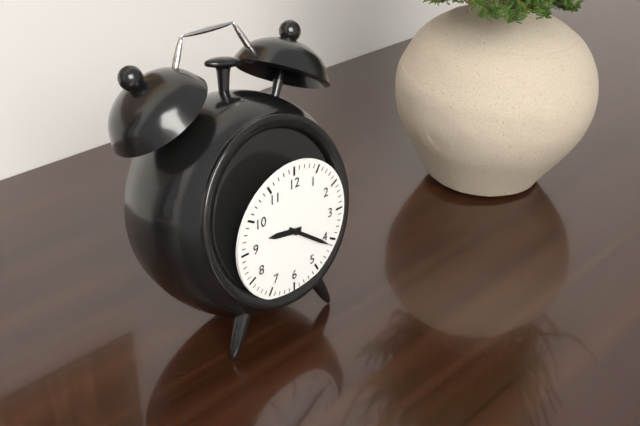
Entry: 9.21
